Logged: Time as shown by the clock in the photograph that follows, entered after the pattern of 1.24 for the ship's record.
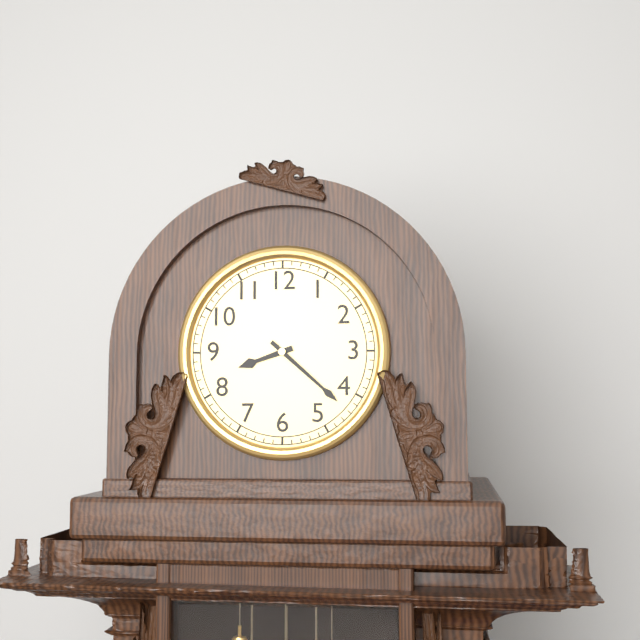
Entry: 8.22
